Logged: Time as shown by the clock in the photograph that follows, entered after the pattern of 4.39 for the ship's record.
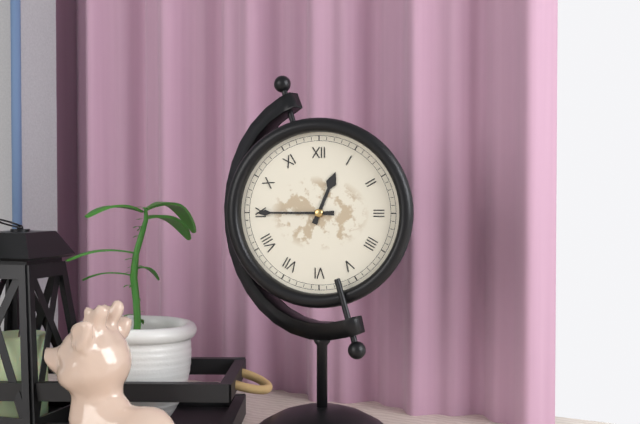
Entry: 12.45
